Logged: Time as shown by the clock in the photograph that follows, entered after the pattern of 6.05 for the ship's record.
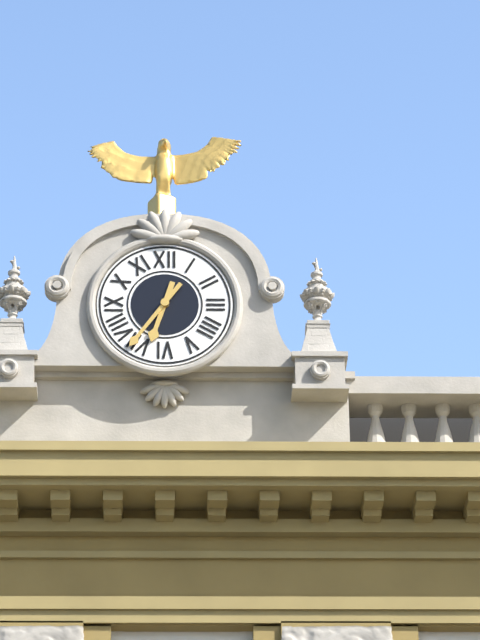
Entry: 6.36
